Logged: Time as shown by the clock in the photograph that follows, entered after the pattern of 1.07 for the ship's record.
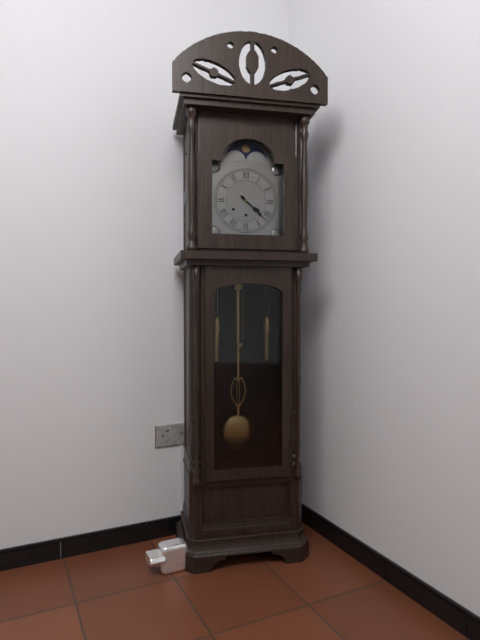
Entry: 4.22
